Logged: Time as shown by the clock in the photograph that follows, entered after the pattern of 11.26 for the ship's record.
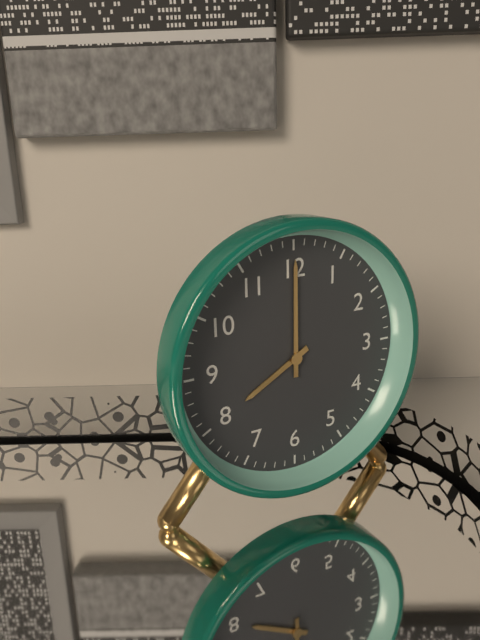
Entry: 8.00
